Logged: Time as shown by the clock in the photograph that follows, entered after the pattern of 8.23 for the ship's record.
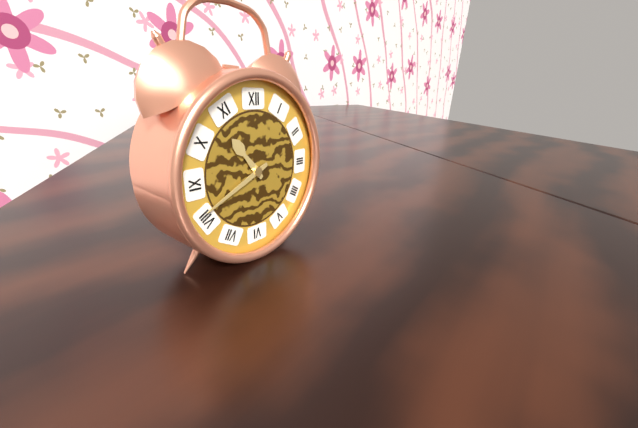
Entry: 10.41
